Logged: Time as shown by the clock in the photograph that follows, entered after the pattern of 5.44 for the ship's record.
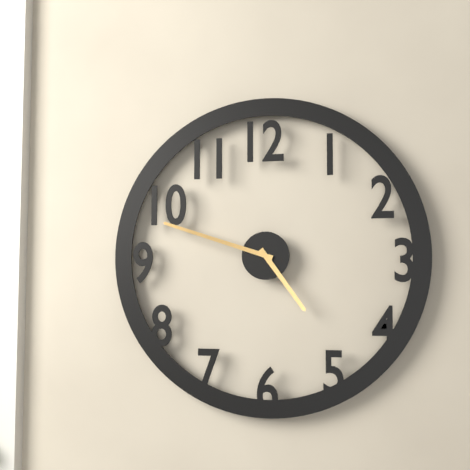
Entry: 4.48
